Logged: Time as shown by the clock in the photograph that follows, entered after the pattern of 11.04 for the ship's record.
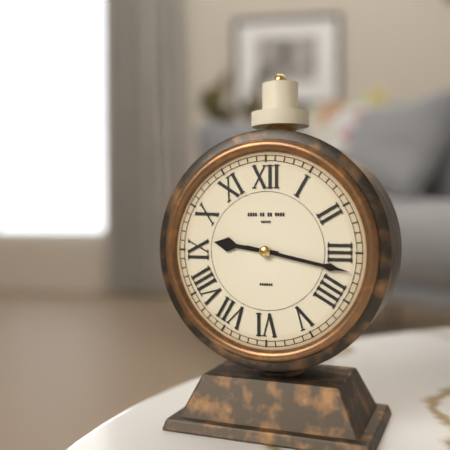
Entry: 9.17
